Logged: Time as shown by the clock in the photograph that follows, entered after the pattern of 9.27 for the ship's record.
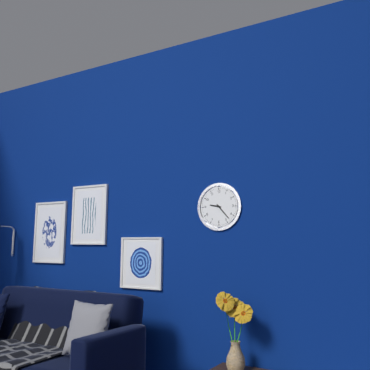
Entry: 9.23
